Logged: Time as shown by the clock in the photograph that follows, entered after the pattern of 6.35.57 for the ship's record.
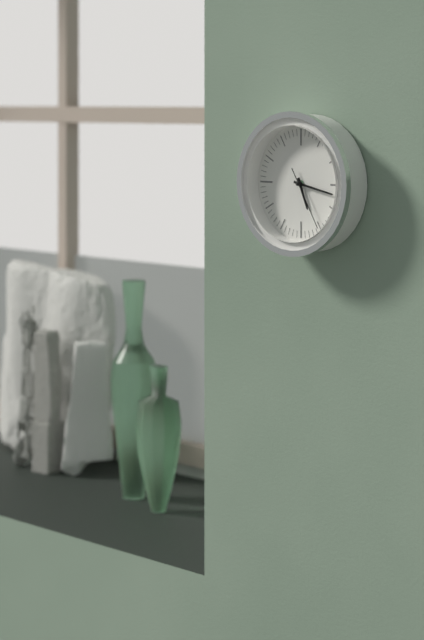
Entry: 5.17.25
